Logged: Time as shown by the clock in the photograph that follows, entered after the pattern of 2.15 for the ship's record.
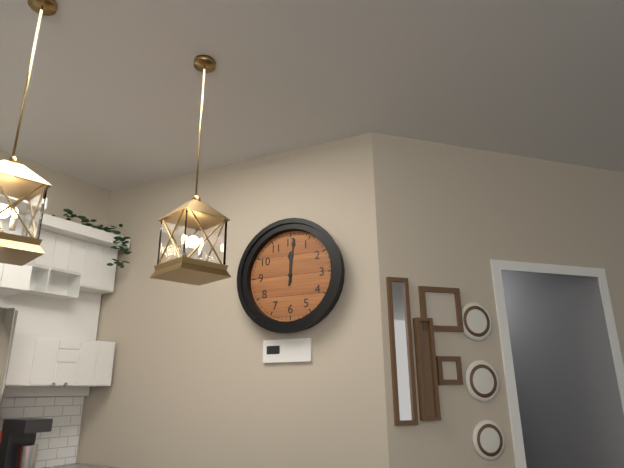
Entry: 12.01
